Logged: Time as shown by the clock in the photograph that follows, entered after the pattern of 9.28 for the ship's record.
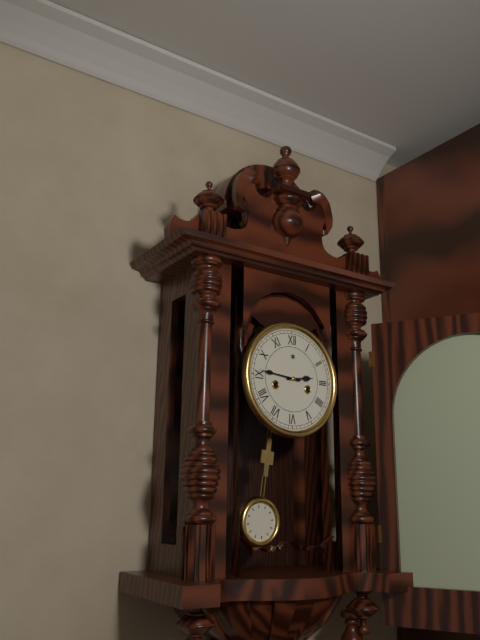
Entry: 2.46
